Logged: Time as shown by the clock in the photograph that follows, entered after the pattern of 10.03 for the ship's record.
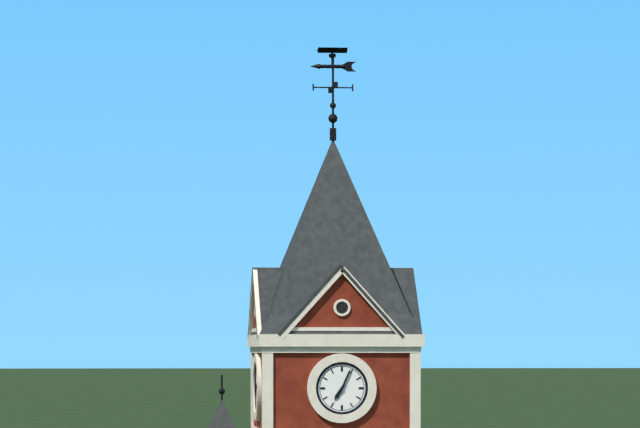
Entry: 7.04
